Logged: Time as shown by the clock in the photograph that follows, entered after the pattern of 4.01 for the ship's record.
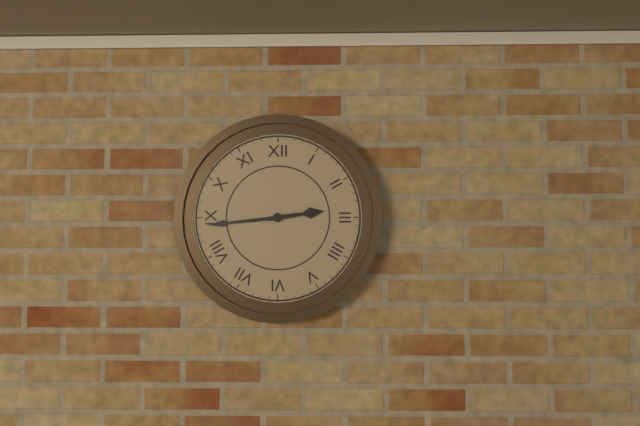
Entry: 2.44
